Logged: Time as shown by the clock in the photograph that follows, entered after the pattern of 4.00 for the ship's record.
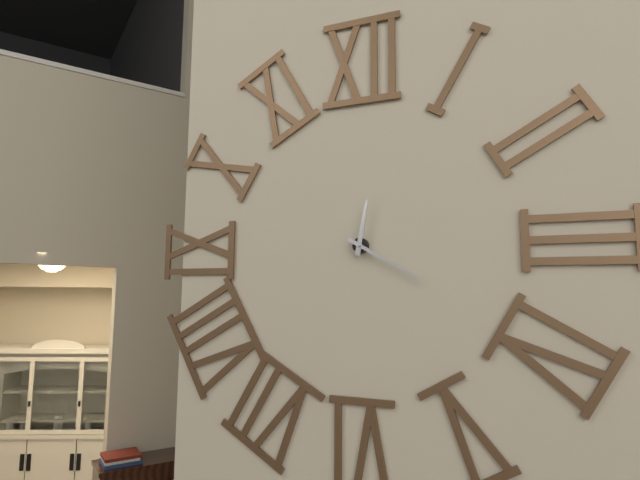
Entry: 12.20
